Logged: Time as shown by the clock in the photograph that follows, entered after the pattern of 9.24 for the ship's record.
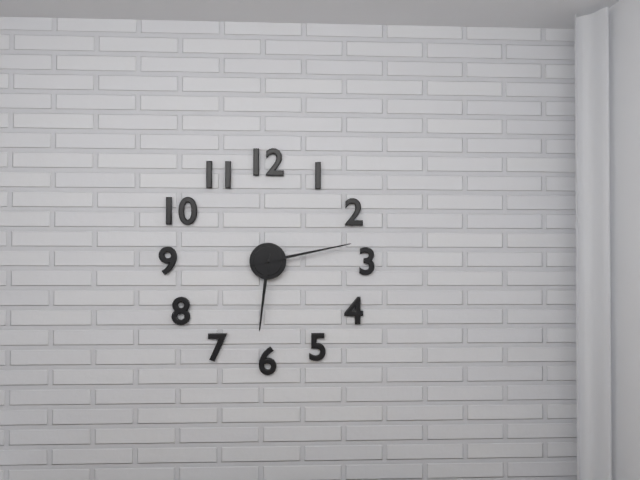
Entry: 6.13
